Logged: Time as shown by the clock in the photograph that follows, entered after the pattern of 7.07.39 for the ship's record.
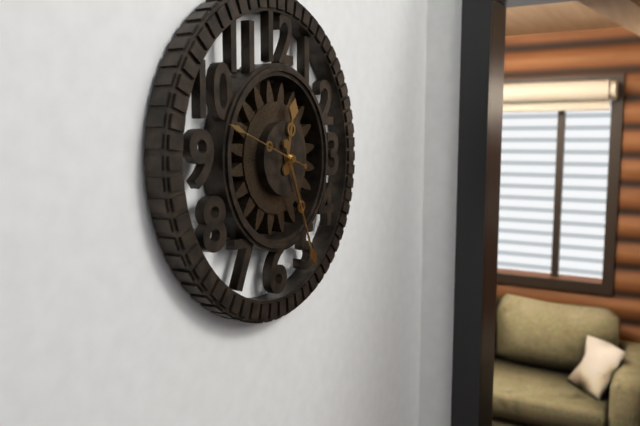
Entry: 12.26.48
